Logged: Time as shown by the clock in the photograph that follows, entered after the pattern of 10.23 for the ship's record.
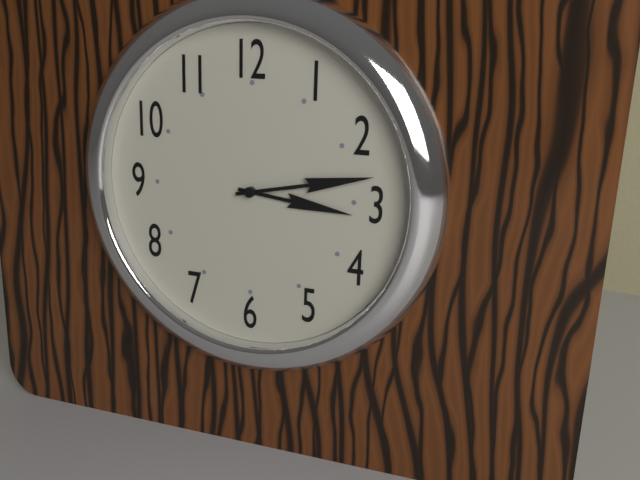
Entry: 3.13
